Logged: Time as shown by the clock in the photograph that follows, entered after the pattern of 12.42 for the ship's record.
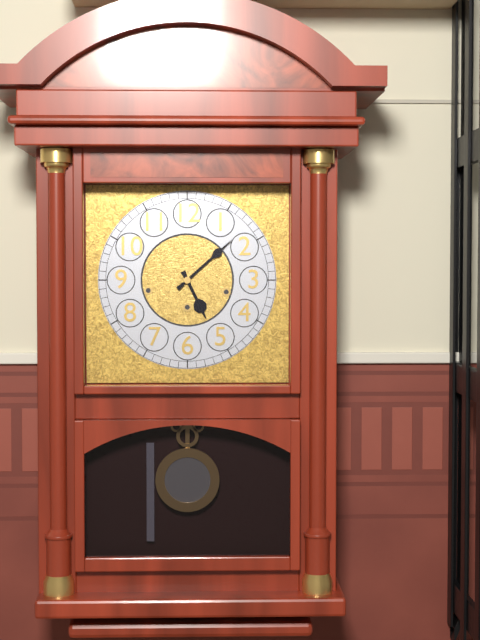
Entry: 5.08
